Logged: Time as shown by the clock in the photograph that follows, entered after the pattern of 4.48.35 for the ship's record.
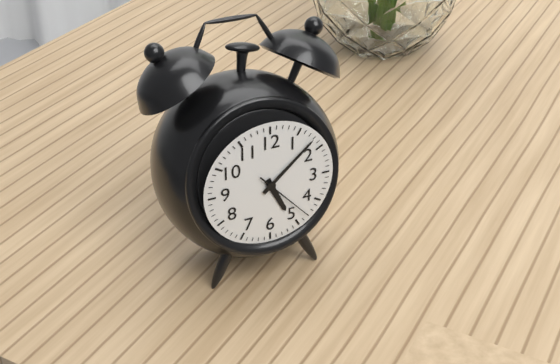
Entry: 5.08.23
